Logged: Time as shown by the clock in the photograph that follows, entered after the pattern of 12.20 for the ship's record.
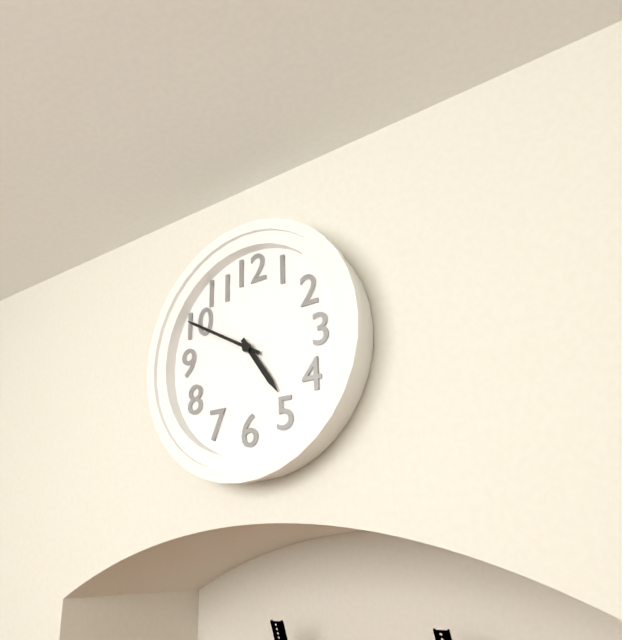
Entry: 4.50
